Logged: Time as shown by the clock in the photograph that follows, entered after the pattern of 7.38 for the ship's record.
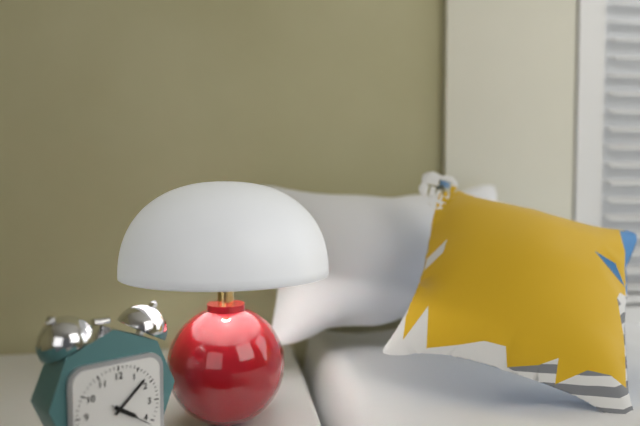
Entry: 4.08
